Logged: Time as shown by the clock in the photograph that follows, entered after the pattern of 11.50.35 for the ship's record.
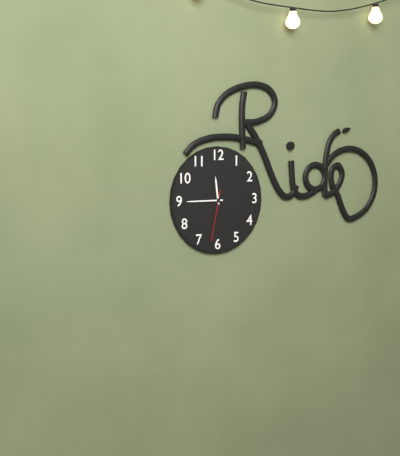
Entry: 11.45.32
